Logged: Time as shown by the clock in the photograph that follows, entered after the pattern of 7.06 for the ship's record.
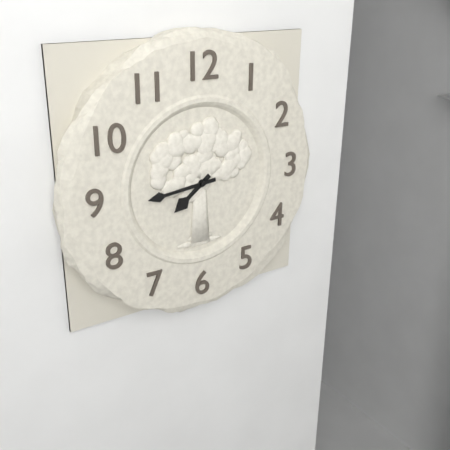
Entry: 7.44
